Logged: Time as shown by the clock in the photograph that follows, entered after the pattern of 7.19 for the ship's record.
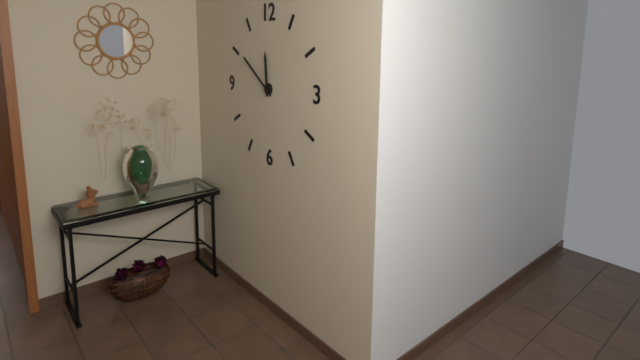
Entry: 11.51
